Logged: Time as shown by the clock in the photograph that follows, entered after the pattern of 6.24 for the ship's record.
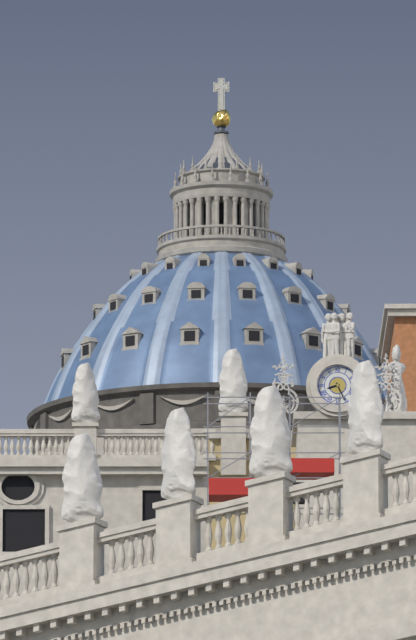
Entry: 8.26
